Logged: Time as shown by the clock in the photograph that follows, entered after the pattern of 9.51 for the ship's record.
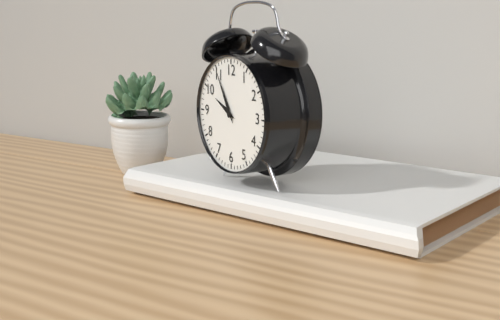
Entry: 9.55
